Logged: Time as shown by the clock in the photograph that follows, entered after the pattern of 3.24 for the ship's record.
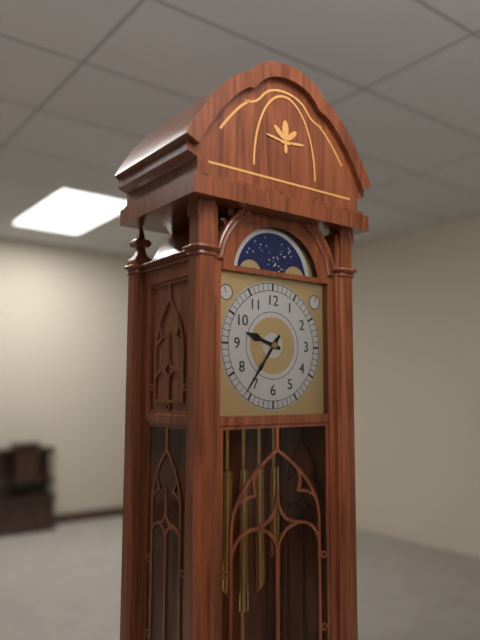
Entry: 9.36
